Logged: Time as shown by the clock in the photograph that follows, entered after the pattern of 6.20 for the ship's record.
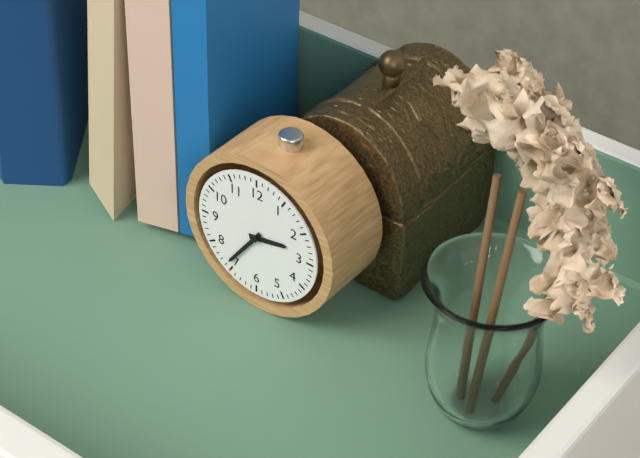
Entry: 2.36
